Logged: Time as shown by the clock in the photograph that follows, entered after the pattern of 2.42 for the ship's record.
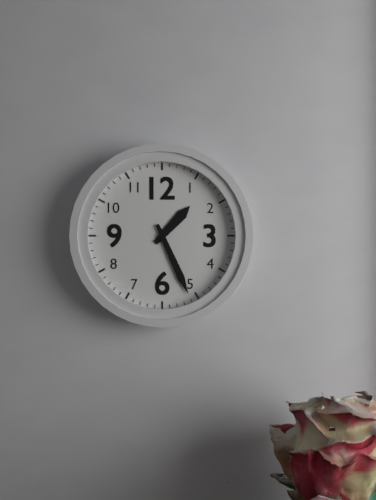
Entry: 1.26
